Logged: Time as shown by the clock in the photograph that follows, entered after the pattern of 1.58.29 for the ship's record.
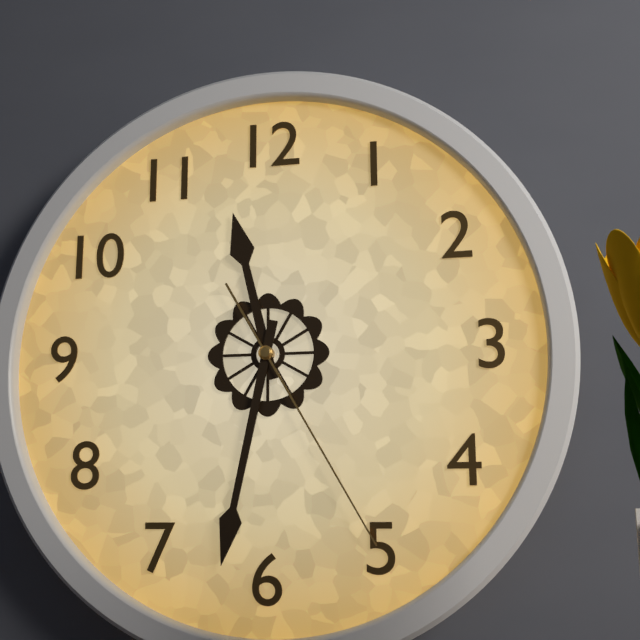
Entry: 11.32.25
